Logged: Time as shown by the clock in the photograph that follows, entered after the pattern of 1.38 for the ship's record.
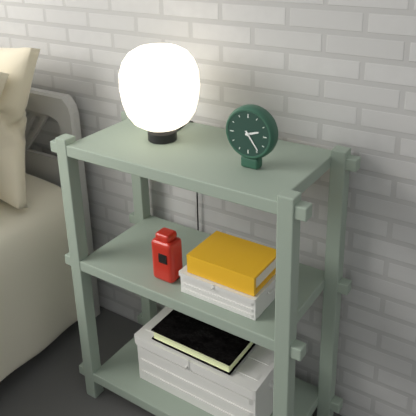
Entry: 2.24
